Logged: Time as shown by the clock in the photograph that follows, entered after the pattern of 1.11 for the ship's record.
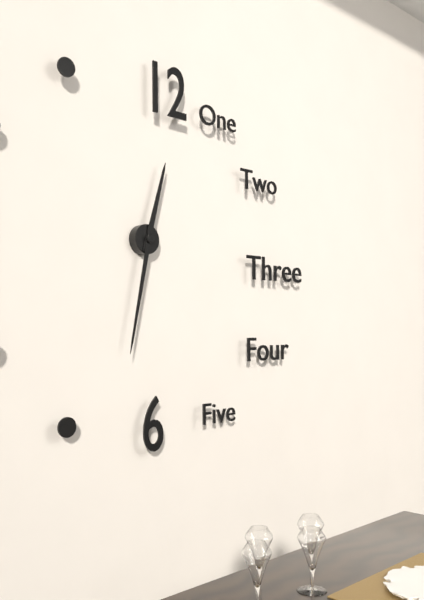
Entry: 12.32
